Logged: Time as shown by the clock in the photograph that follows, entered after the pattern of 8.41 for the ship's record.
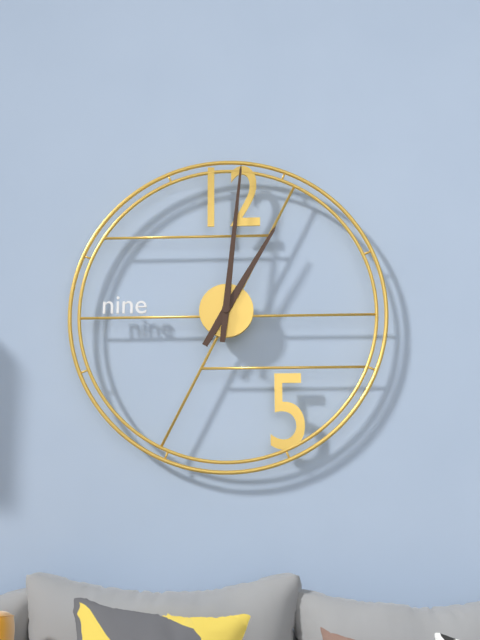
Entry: 1.01
